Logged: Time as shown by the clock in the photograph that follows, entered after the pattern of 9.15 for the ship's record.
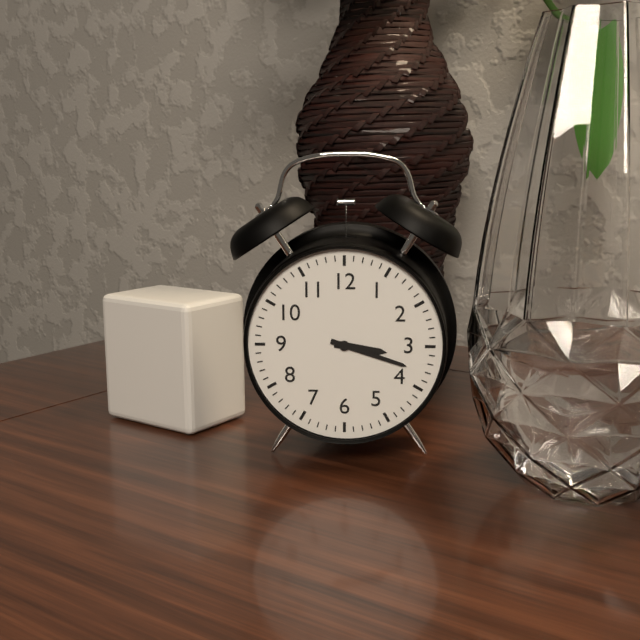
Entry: 3.18
